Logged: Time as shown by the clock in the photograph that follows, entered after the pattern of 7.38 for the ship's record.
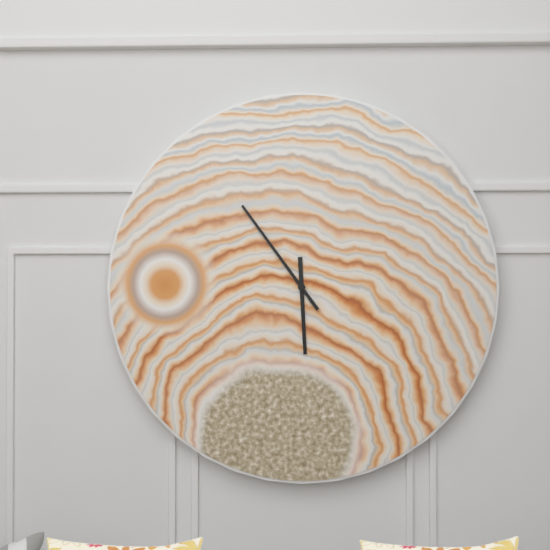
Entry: 5.54
